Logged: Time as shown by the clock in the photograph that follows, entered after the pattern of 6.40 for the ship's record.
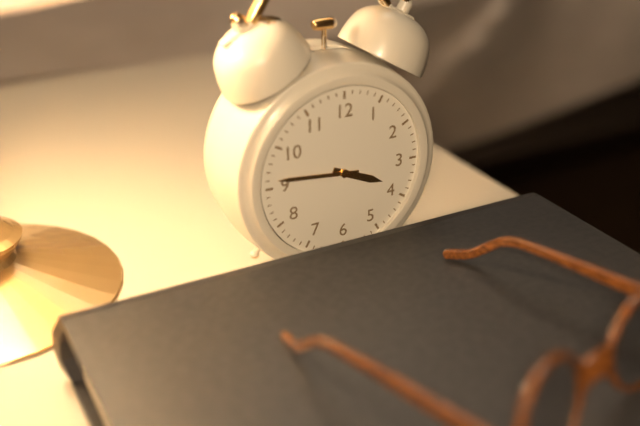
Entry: 3.46
